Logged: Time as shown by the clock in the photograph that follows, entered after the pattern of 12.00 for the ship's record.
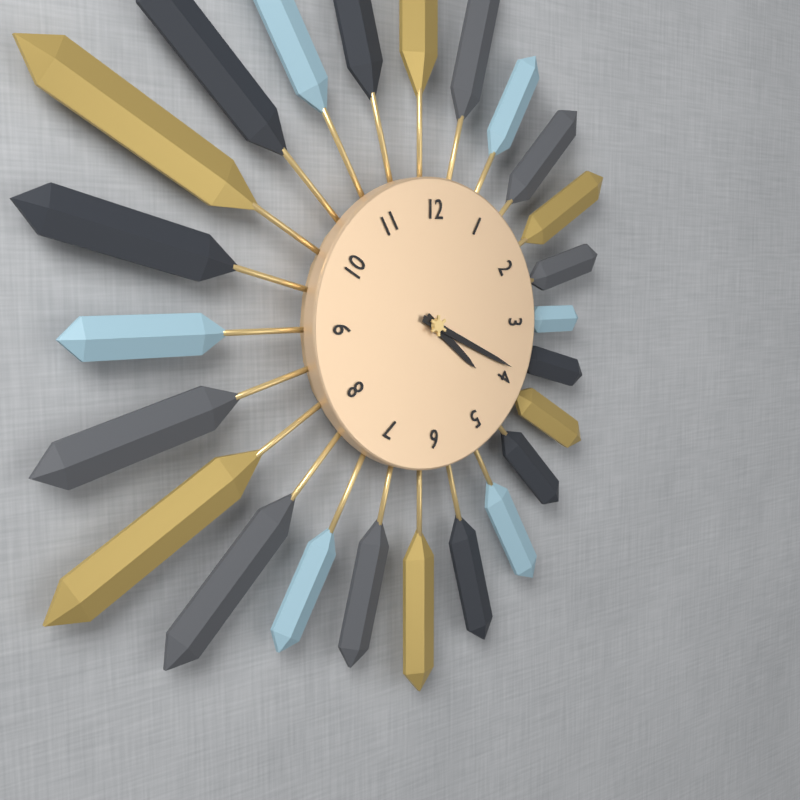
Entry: 4.19
